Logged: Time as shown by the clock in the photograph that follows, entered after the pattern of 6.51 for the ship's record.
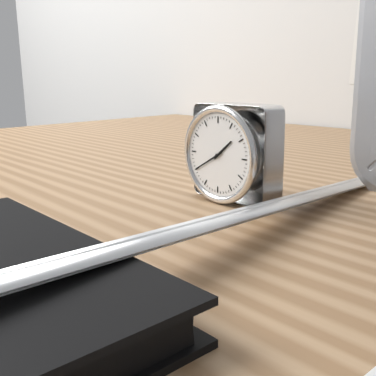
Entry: 1.40
